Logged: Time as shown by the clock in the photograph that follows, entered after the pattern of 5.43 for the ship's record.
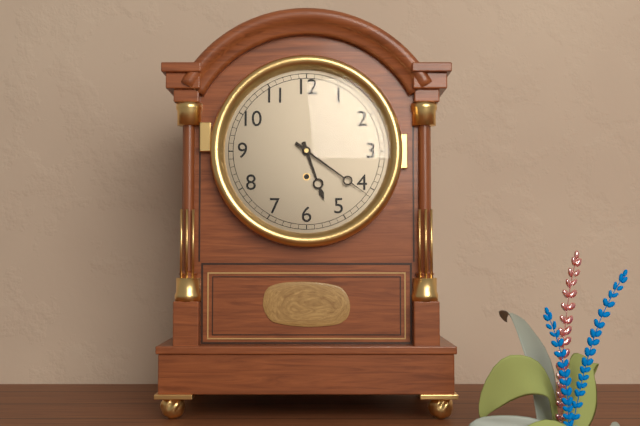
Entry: 5.21
